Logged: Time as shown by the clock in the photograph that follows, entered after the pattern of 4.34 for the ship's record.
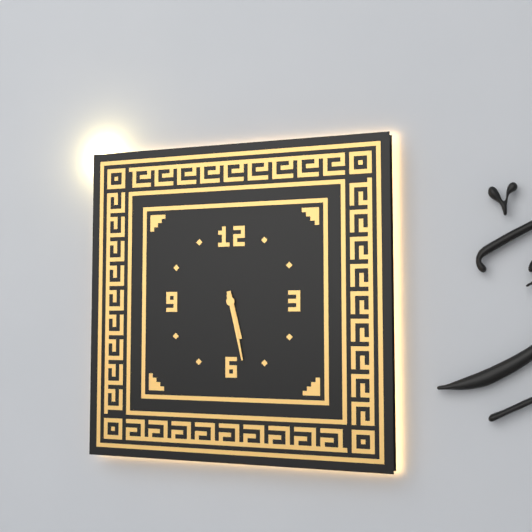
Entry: 5.28
